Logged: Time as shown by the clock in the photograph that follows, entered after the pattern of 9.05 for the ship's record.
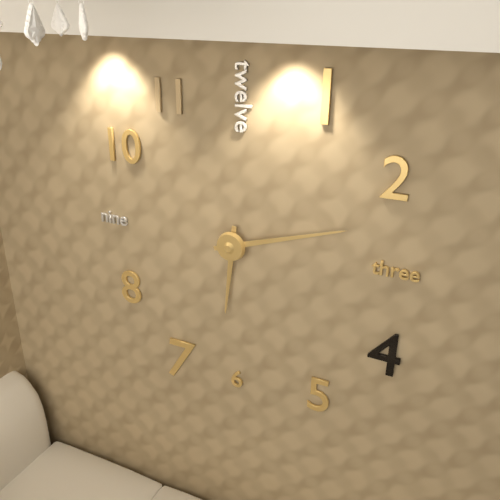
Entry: 6.12
